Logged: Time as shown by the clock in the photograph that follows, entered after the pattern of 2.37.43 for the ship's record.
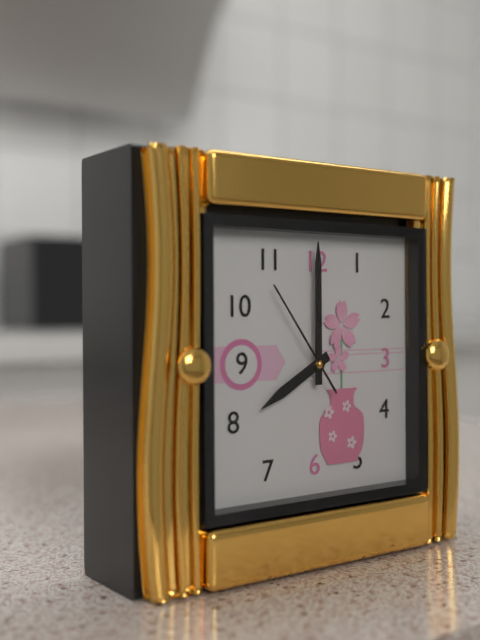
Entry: 8.00.54
